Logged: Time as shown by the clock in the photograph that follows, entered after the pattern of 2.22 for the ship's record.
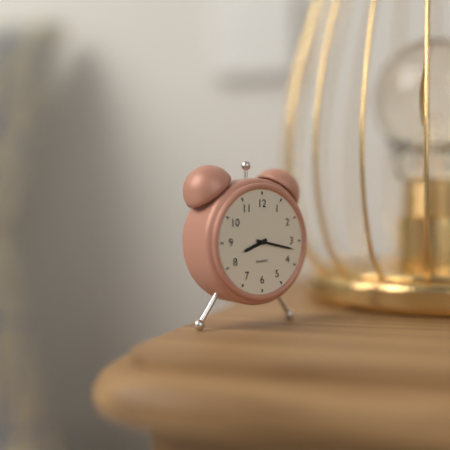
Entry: 8.17
